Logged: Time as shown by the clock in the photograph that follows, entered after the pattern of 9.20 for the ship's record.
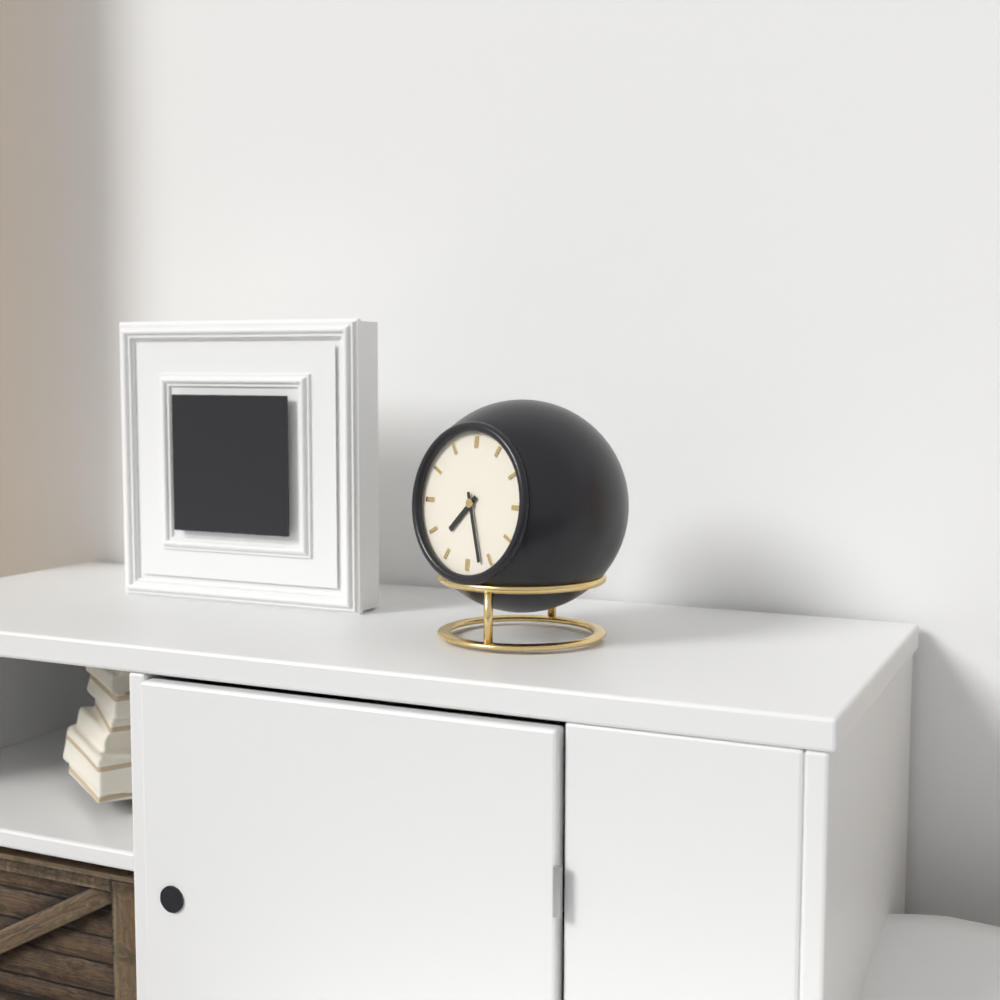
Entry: 7.27
